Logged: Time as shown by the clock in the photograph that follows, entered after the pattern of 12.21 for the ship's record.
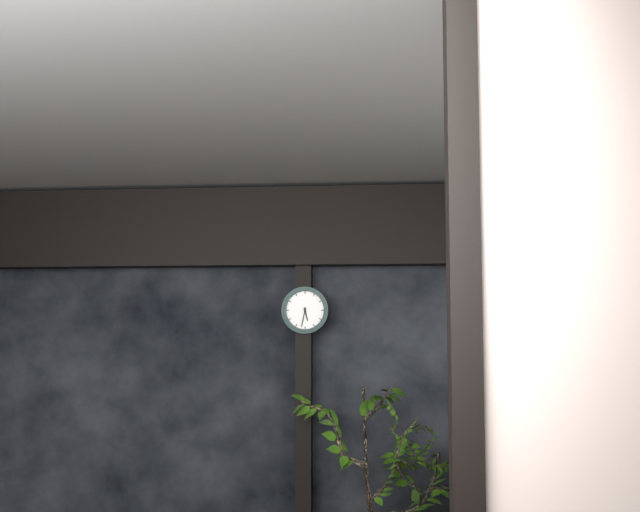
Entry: 5.32
